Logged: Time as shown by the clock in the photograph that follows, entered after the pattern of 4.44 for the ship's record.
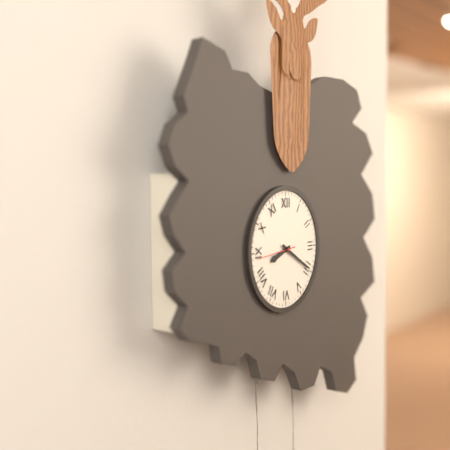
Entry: 8.20
